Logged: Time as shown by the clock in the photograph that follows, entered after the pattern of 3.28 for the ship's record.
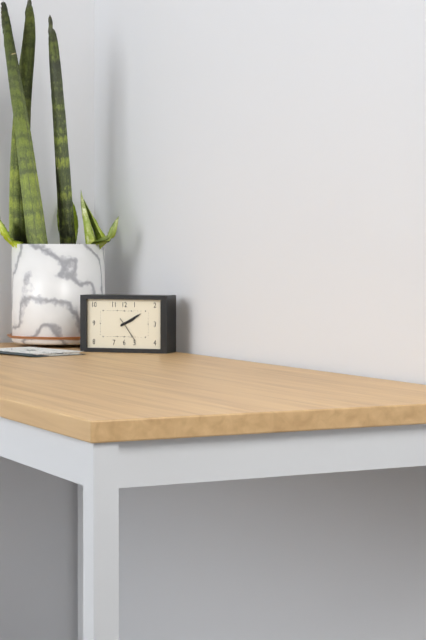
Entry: 2.10
